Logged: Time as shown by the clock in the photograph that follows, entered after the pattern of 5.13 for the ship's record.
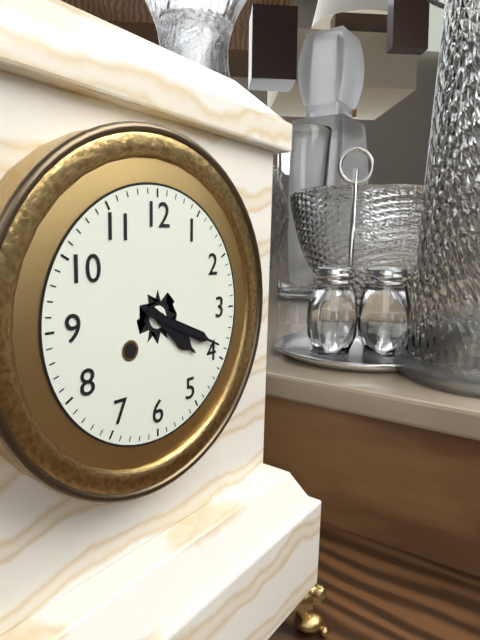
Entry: 4.19
